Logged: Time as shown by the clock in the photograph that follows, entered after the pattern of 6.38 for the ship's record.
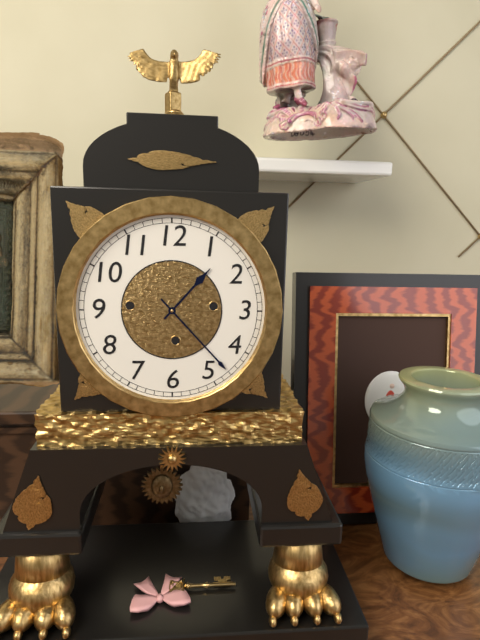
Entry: 1.23
